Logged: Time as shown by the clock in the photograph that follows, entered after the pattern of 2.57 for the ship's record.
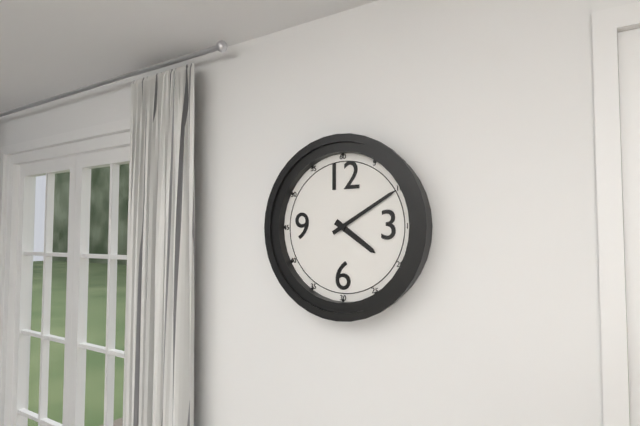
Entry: 4.10
